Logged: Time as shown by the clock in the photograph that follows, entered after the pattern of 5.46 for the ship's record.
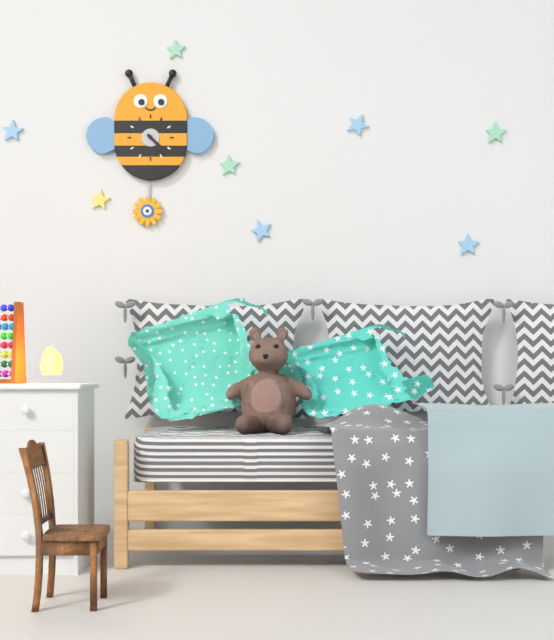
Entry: 4.23
